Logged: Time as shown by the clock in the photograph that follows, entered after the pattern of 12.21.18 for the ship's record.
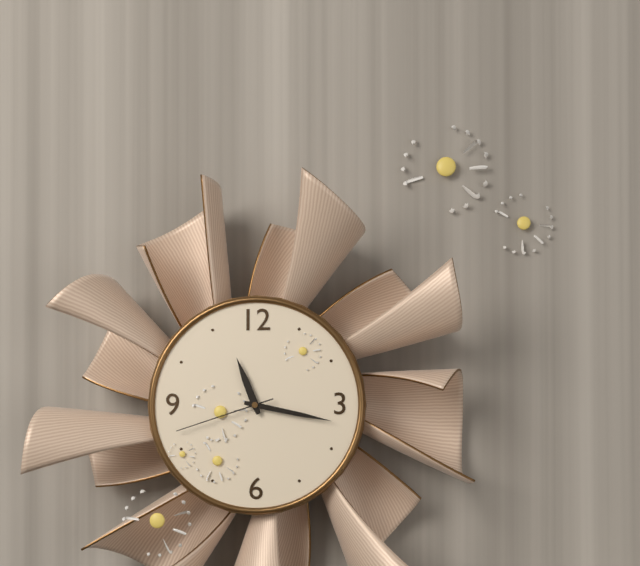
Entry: 11.17.42
